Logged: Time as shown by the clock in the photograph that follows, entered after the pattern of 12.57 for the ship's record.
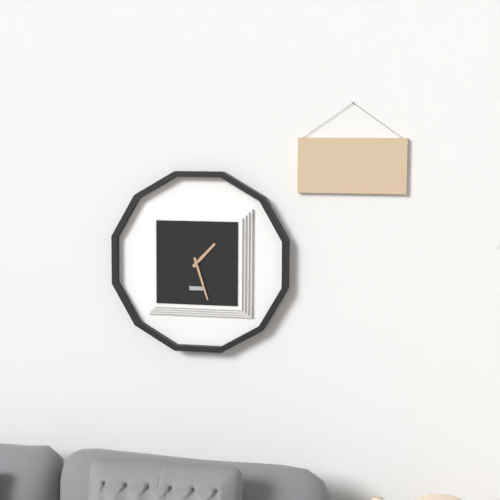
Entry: 1.27
